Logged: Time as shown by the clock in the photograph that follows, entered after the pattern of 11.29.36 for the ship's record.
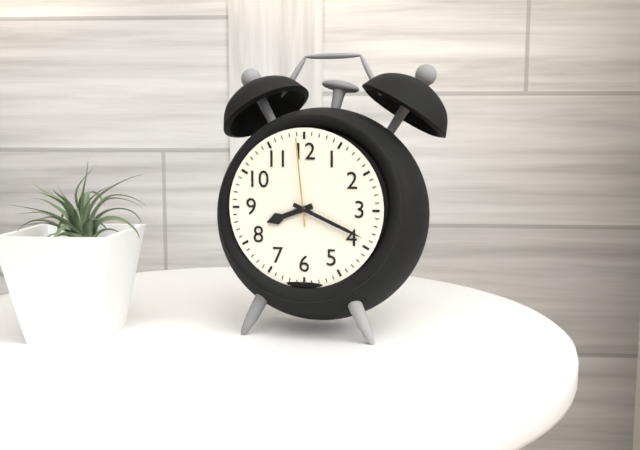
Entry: 8.19.59
